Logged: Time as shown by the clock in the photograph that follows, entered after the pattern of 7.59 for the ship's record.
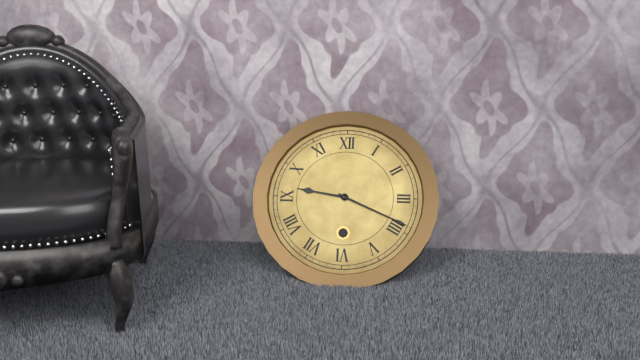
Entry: 9.19
